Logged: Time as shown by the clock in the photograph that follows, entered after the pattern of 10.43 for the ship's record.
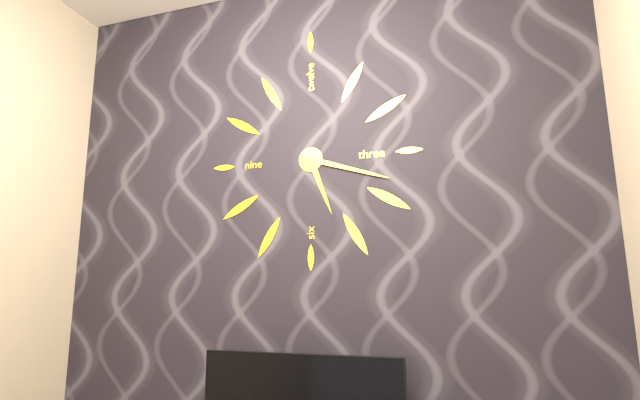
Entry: 5.18
